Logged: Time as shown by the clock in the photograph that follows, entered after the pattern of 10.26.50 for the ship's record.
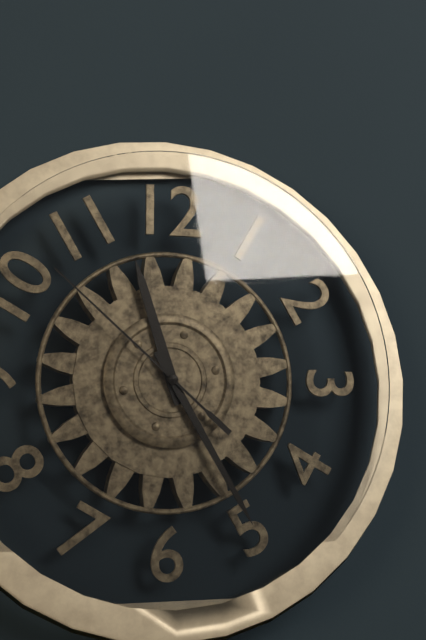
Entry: 11.25.52
